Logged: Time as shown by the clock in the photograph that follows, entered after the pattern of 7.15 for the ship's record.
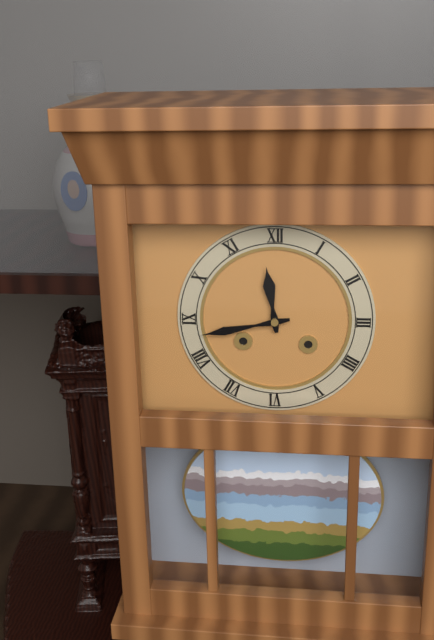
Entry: 11.43
